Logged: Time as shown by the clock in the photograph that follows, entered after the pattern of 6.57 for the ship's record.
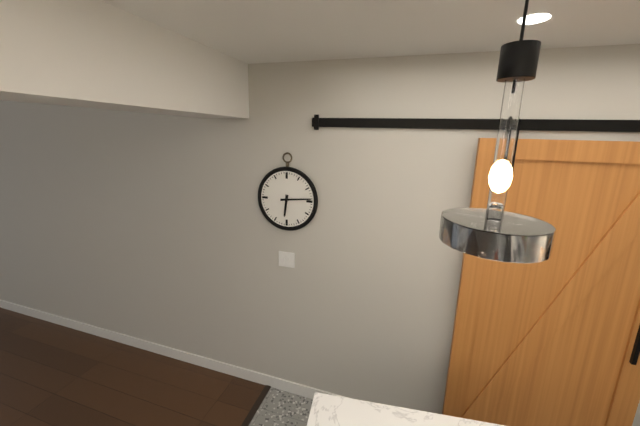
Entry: 6.14
